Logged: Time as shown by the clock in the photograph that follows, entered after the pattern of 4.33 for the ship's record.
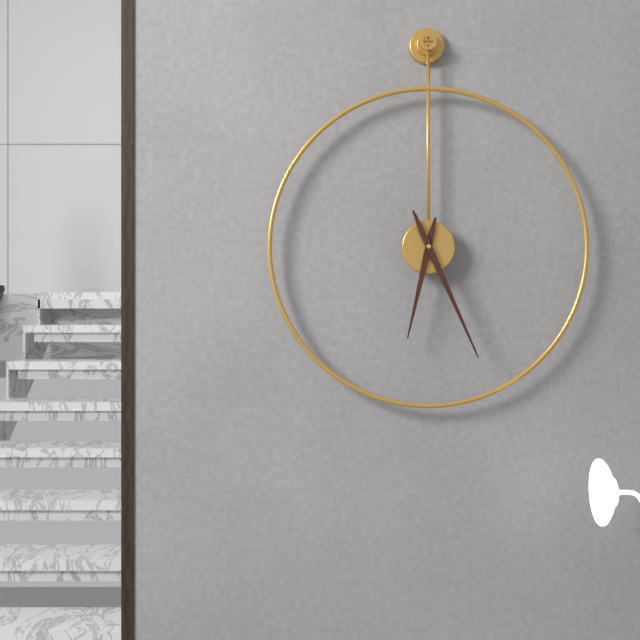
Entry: 6.26
